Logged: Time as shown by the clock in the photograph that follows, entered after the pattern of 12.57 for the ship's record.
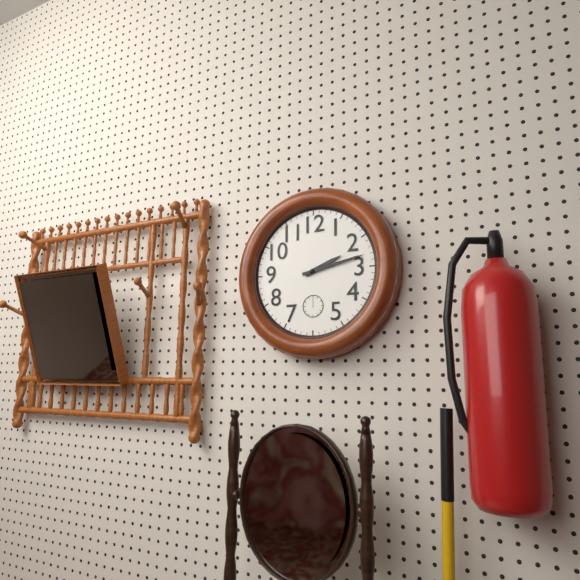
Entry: 2.13
